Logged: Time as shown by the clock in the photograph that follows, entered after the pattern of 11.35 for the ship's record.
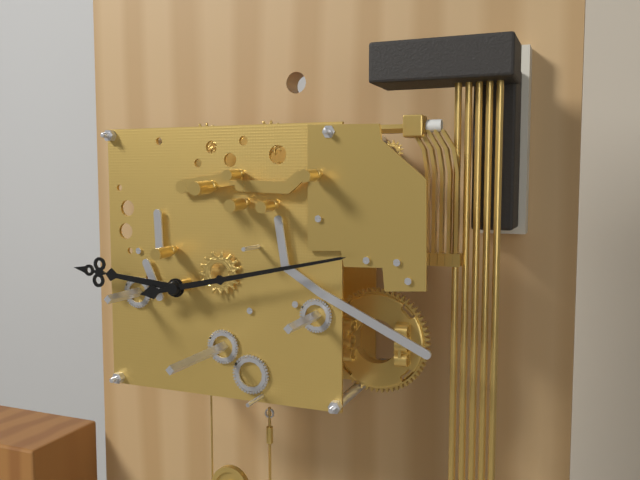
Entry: 9.13
